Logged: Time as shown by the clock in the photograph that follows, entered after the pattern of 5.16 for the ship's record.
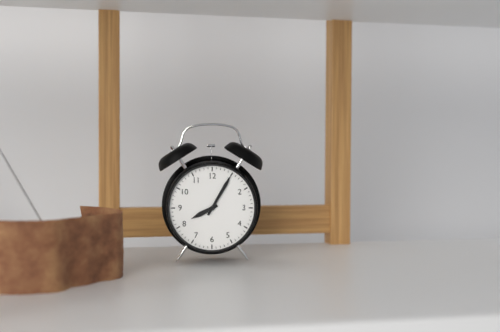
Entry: 8.05
